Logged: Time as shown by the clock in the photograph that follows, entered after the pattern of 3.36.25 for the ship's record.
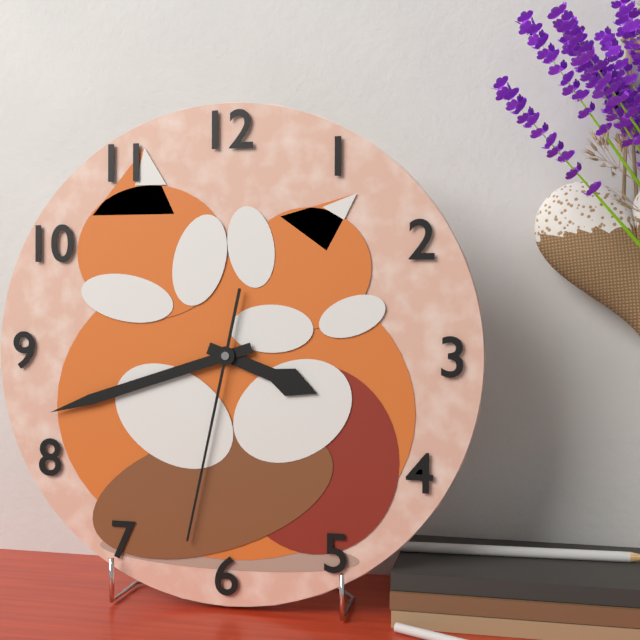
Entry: 3.42.32
